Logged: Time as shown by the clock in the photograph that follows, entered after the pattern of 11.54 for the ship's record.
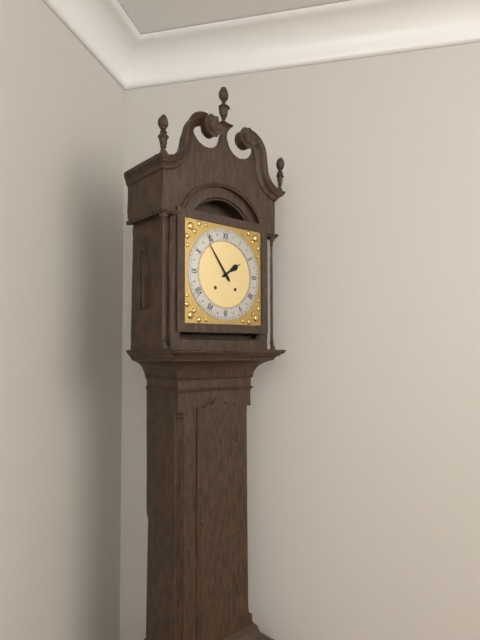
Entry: 1.54
